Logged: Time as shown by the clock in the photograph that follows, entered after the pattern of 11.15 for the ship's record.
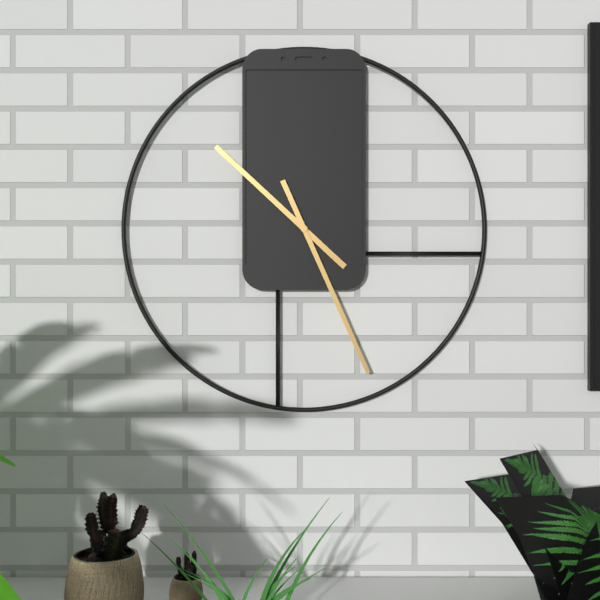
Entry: 10.26
